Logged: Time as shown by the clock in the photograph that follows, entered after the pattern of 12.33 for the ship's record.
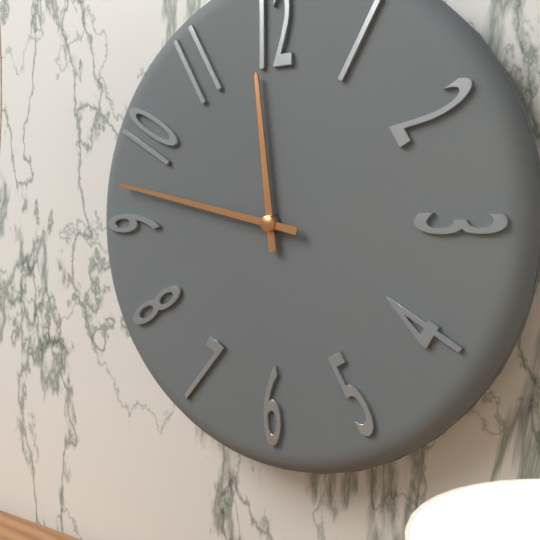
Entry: 11.47
